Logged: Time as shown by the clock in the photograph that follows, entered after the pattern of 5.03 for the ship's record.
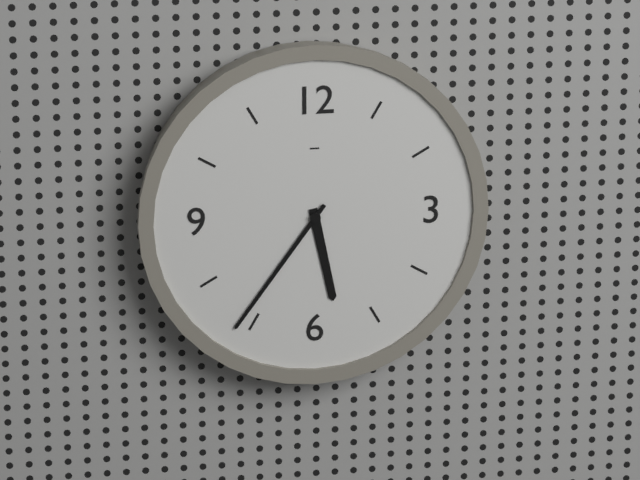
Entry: 5.36
